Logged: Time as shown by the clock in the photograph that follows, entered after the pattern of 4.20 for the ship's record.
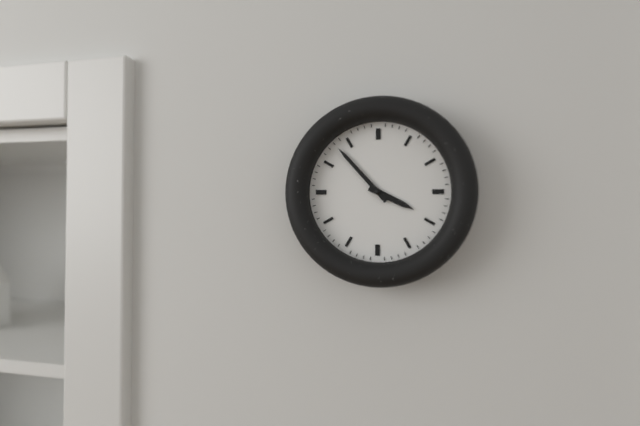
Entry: 3.53
